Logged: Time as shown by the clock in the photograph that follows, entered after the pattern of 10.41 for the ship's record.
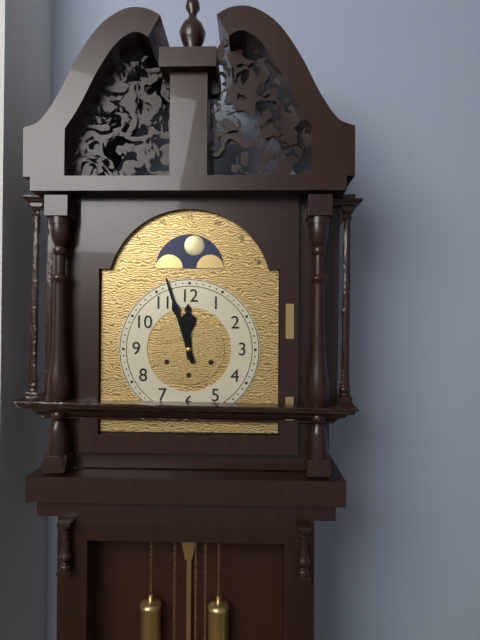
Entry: 11.57
